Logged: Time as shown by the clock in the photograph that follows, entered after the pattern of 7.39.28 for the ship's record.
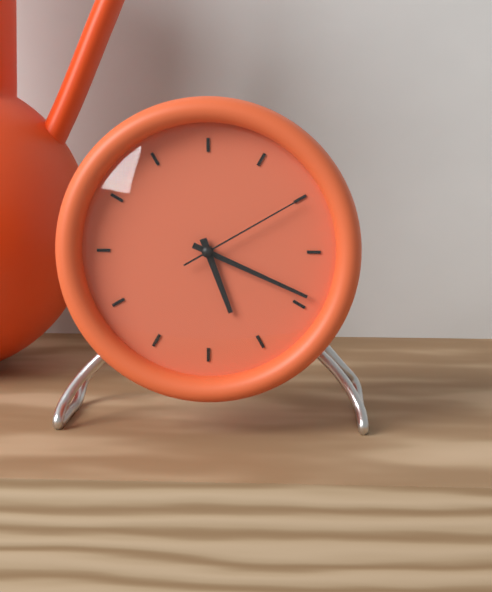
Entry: 5.19.10
